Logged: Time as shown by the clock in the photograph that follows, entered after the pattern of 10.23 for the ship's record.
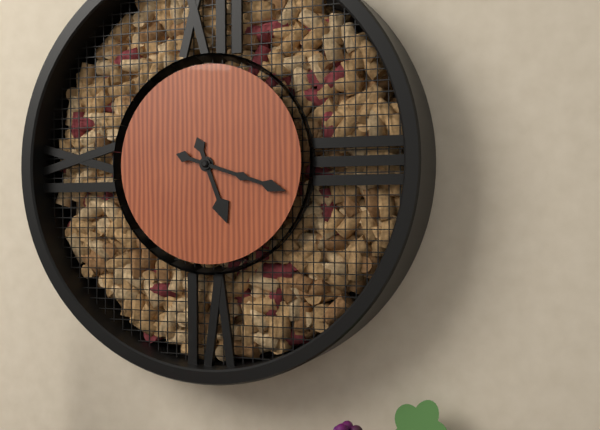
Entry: 5.18
